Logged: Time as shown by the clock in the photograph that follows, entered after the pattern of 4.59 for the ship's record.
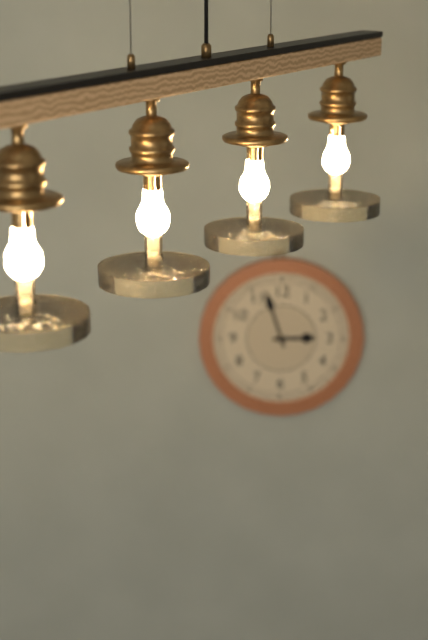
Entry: 2.57
